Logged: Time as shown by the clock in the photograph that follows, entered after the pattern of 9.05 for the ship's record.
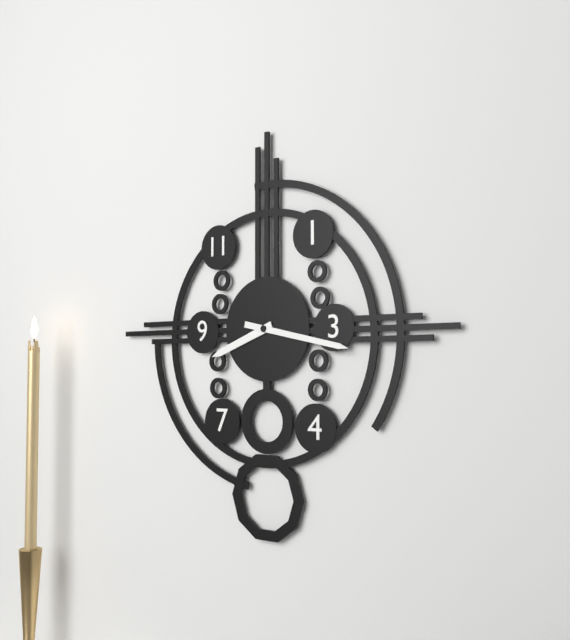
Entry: 8.17
